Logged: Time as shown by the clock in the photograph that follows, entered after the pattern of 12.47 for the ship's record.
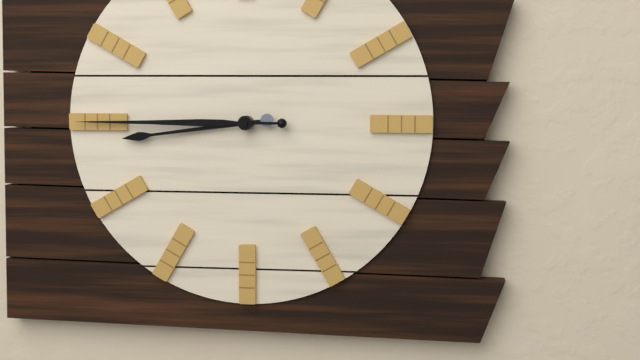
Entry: 8.45
